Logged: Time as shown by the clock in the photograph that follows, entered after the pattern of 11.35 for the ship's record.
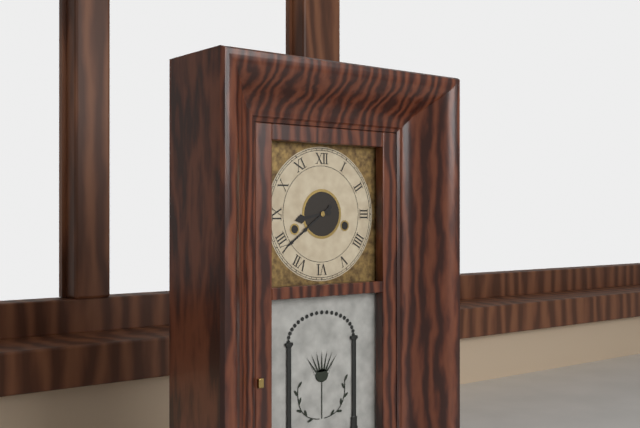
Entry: 8.39
